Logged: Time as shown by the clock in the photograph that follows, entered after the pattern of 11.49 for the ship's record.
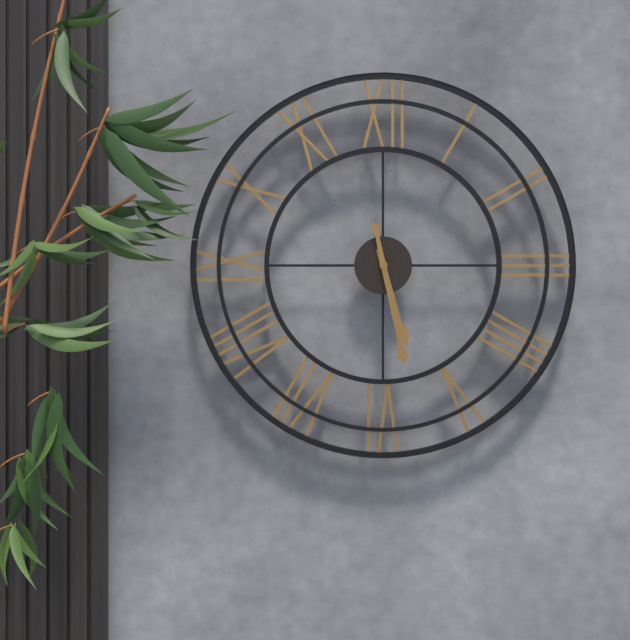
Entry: 5.28
